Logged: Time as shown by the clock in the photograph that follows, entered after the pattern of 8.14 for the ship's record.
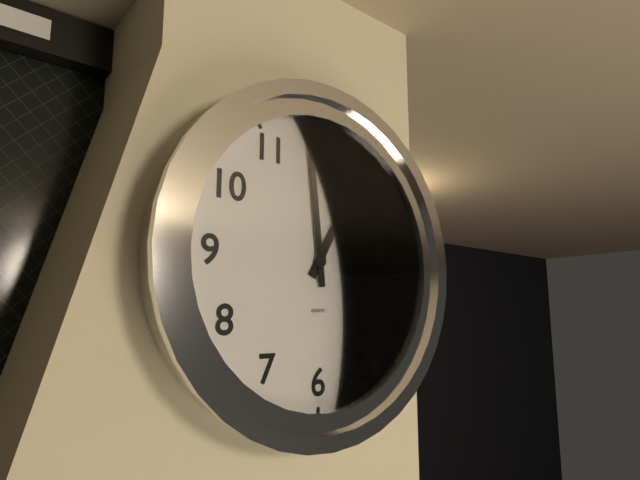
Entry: 12.59
